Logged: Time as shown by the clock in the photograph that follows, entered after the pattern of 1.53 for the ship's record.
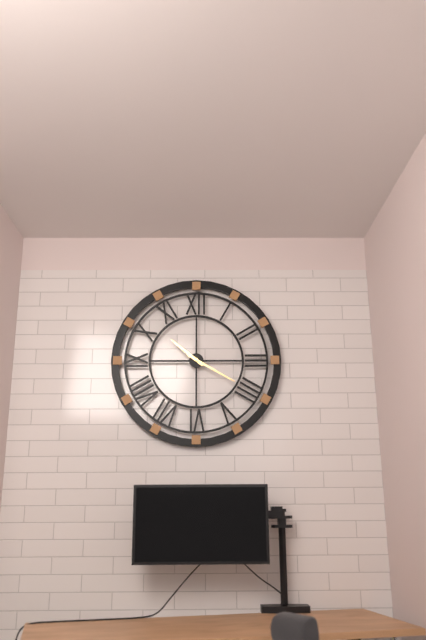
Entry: 10.20
